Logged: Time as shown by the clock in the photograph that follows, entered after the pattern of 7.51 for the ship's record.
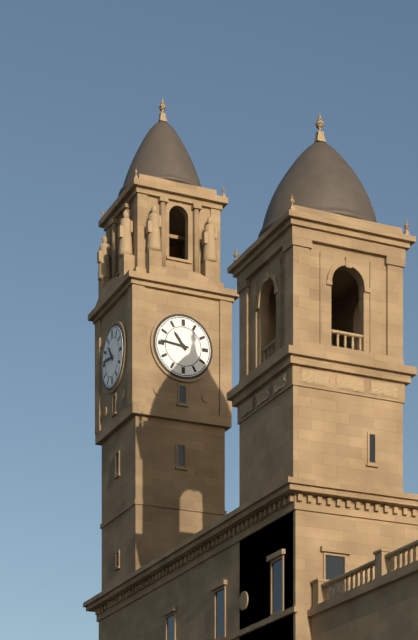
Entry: 10.46
